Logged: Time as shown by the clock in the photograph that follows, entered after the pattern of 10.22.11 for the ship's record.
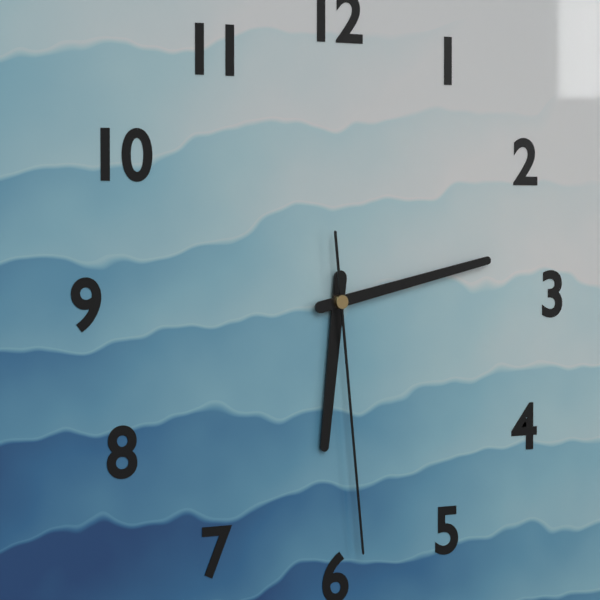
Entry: 6.13.29
